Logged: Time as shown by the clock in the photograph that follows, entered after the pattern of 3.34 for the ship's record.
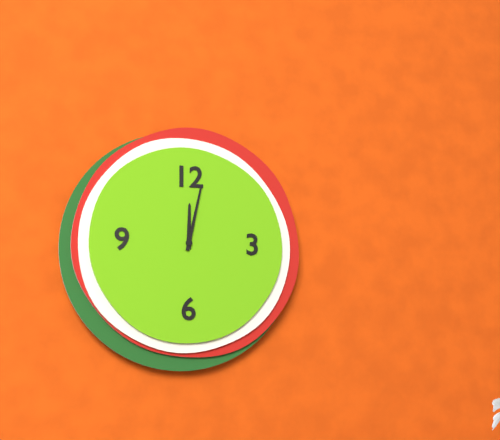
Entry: 12.02
